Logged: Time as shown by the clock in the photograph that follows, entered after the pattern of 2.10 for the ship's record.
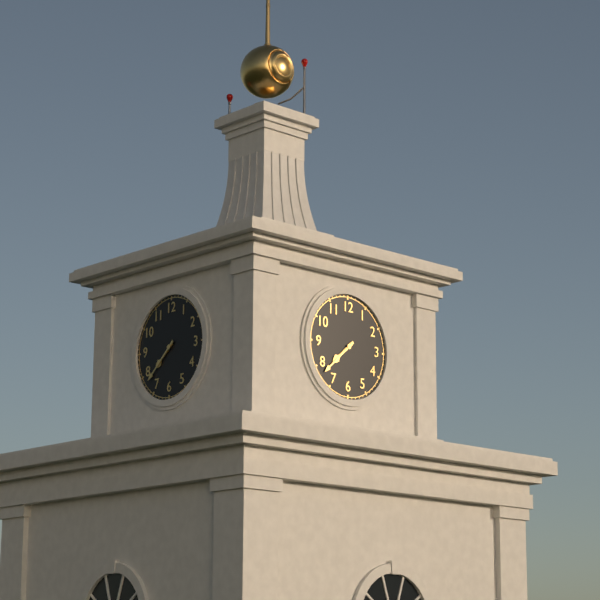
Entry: 7.38
